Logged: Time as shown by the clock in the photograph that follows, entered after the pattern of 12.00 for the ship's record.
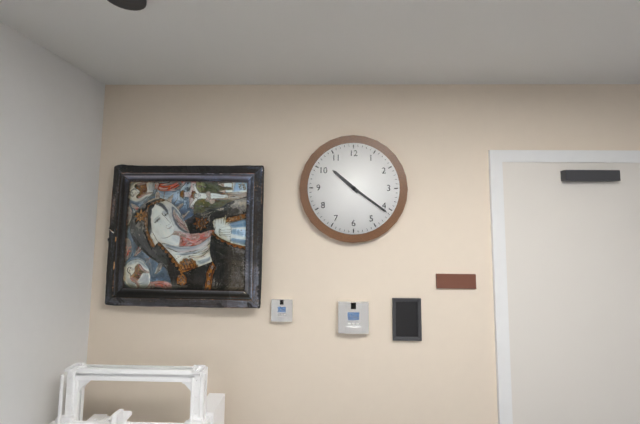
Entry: 10.21
